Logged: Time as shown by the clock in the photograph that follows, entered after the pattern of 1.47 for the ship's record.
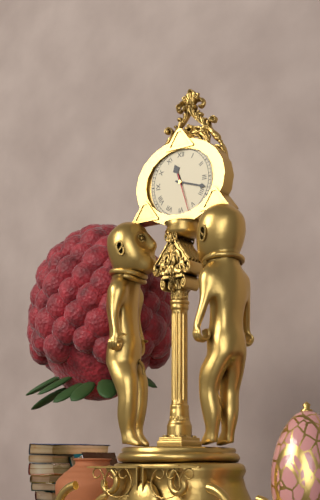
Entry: 11.18
